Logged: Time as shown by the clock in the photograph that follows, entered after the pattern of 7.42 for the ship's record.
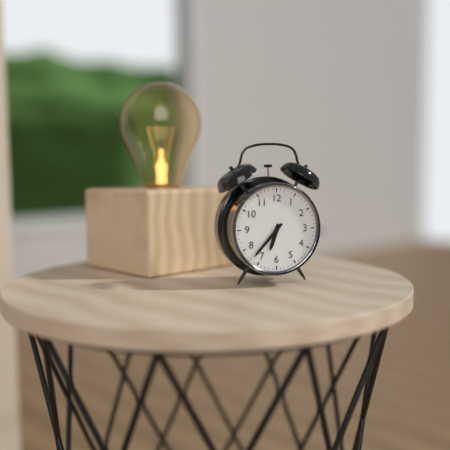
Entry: 6.37
